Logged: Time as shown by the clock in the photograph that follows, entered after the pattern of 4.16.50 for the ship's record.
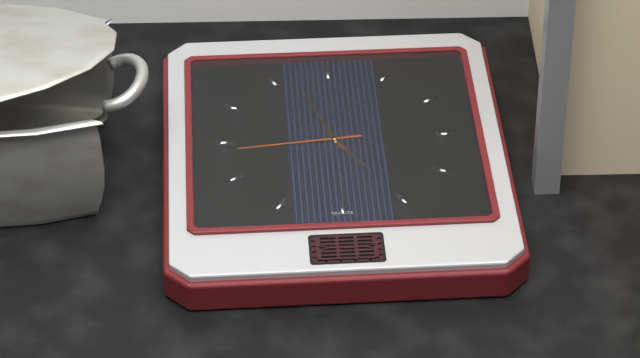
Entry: 4.57.44
